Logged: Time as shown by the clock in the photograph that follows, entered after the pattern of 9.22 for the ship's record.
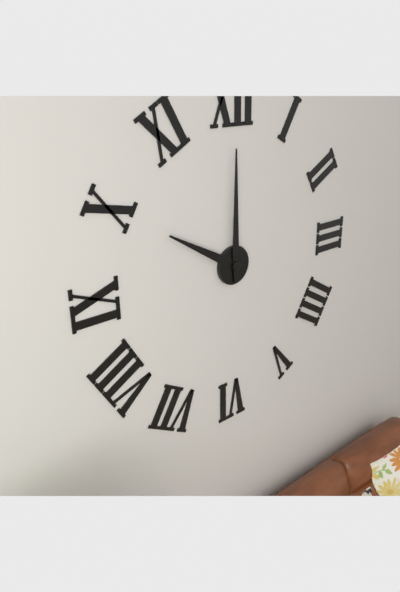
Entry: 10.00
